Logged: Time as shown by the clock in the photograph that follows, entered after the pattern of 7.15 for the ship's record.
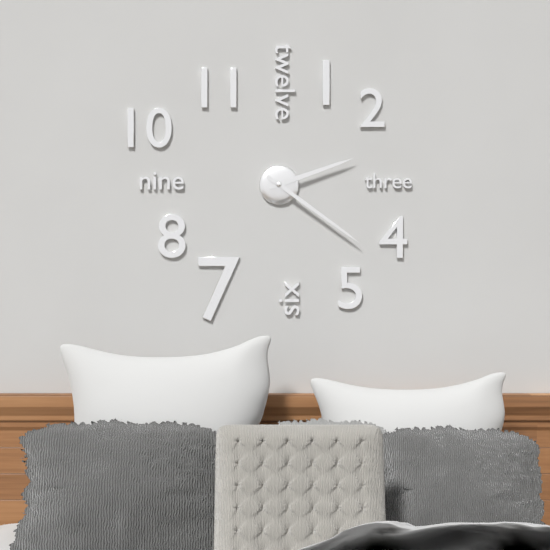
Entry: 2.21
